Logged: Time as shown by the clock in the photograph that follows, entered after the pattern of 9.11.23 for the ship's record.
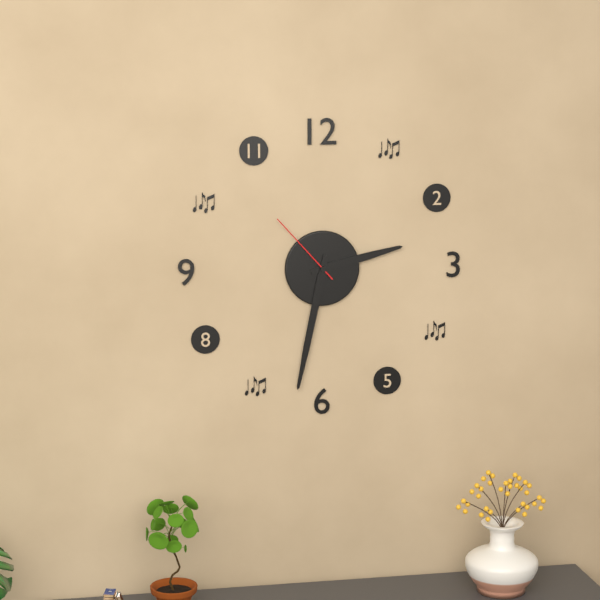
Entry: 2.32.53
